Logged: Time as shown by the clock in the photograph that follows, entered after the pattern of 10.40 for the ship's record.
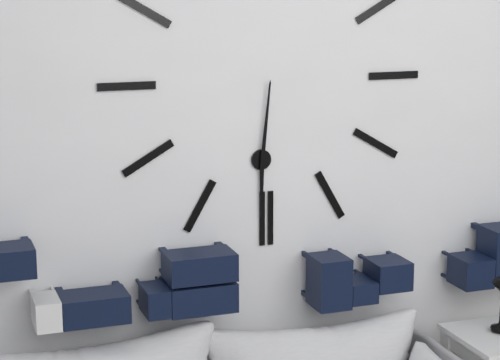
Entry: 6.01
